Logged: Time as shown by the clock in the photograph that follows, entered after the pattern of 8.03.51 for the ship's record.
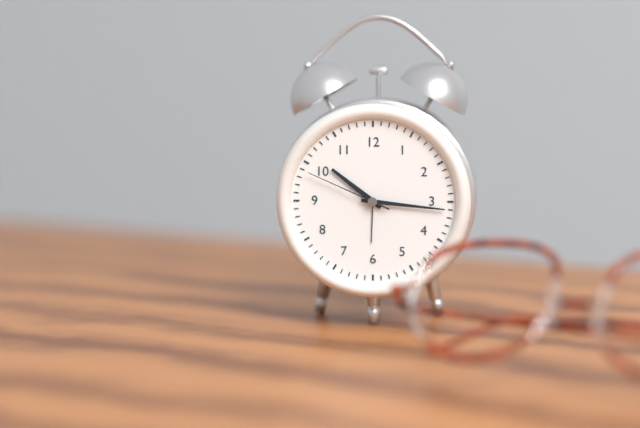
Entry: 10.16.49
